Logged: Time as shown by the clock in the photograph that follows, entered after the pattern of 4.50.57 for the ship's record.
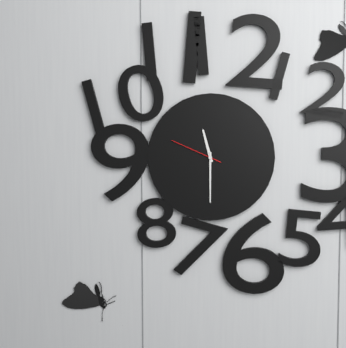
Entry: 11.30.49
